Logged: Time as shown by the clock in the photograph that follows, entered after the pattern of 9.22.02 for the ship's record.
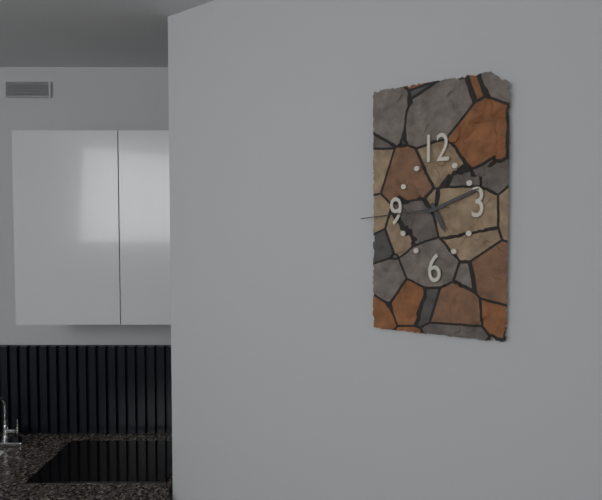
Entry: 5.11.44
